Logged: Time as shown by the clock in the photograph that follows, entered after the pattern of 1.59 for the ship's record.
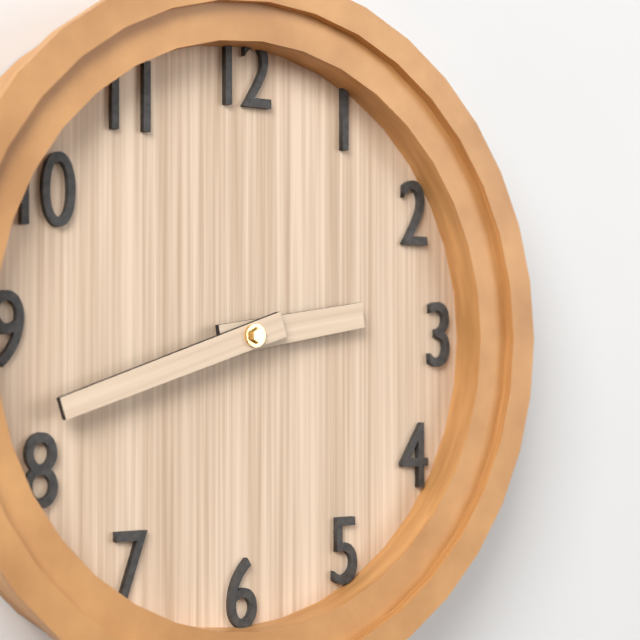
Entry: 2.42
